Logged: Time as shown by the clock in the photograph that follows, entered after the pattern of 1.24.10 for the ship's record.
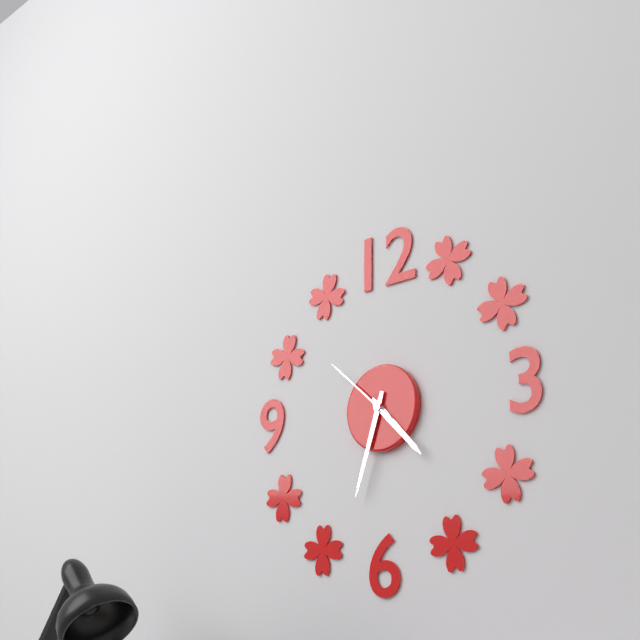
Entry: 4.33.52
